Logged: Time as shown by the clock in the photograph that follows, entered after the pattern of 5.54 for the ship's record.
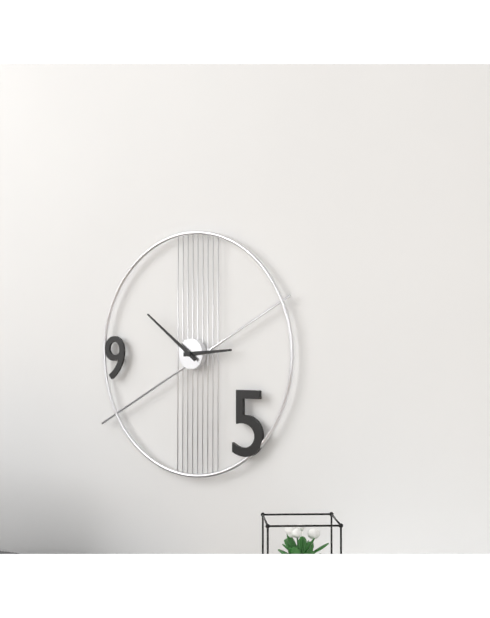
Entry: 2.51
